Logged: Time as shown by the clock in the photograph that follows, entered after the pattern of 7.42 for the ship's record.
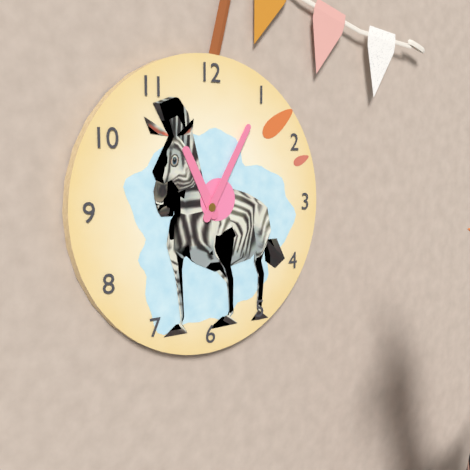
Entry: 11.05
